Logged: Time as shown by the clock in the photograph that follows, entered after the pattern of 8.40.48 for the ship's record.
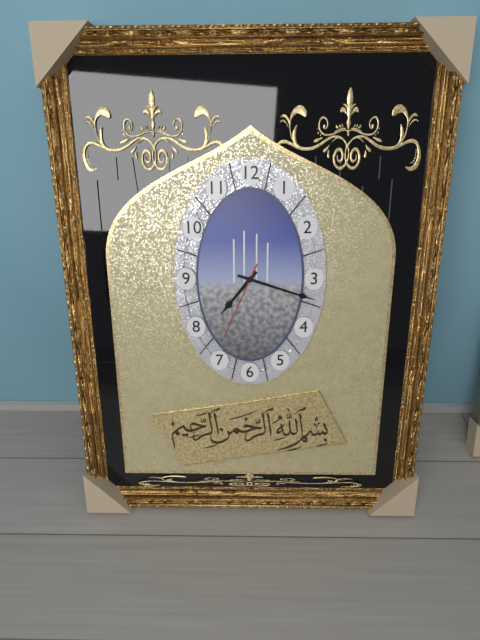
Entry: 7.18.34
